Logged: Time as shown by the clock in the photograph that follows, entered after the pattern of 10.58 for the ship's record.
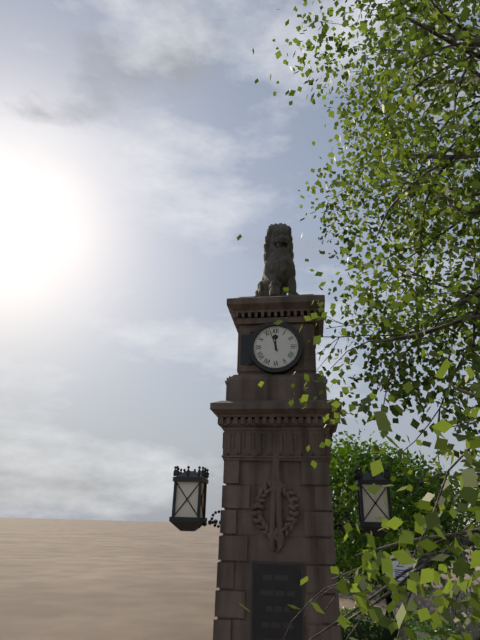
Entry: 11.57
